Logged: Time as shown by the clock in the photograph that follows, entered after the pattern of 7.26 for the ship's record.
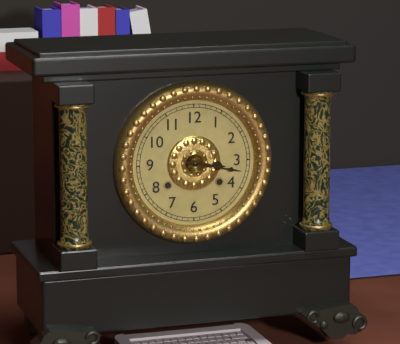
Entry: 3.17
